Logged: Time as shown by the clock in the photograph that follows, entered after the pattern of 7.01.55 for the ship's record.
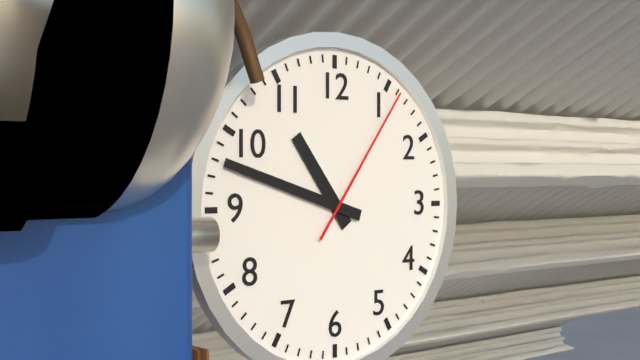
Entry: 10.48.06
